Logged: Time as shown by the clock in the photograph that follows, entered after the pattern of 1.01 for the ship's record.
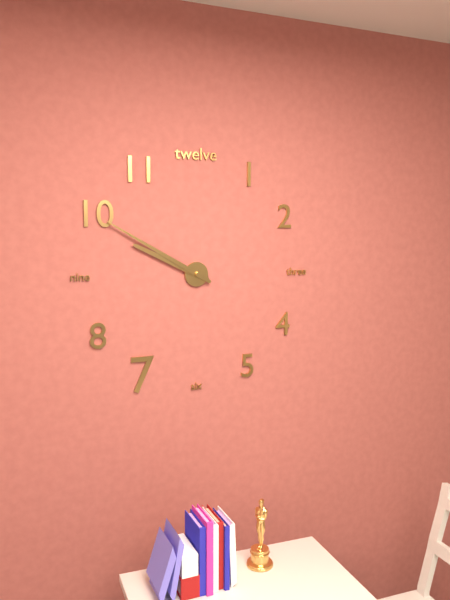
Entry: 9.50
